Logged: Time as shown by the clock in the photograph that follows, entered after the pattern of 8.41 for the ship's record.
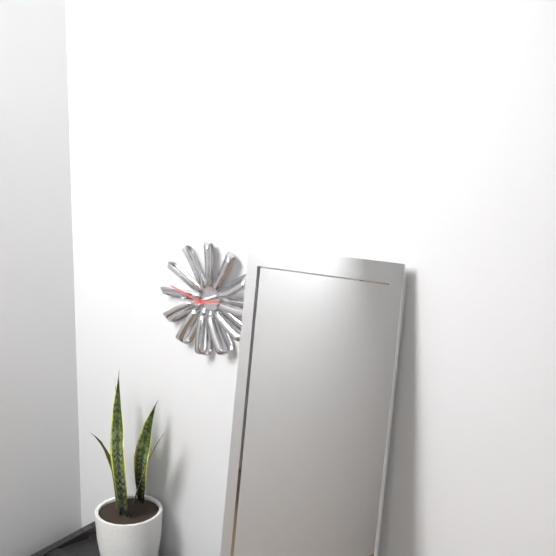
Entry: 2.48
